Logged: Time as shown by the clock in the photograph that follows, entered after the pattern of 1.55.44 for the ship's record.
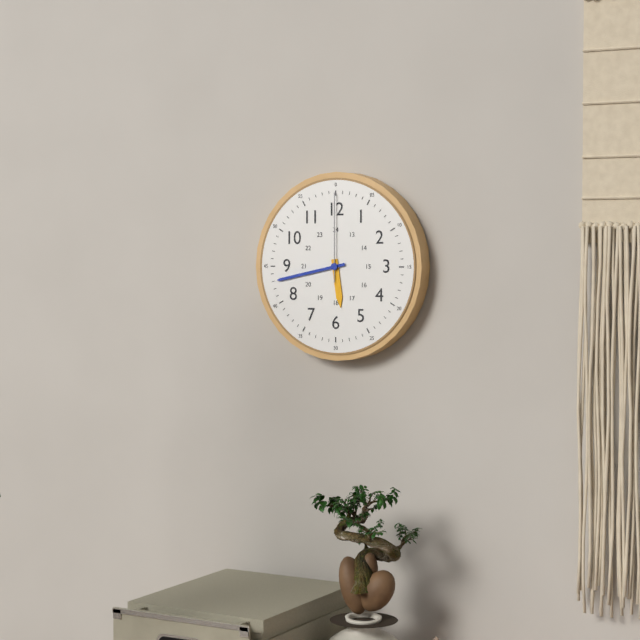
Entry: 5.43.00
